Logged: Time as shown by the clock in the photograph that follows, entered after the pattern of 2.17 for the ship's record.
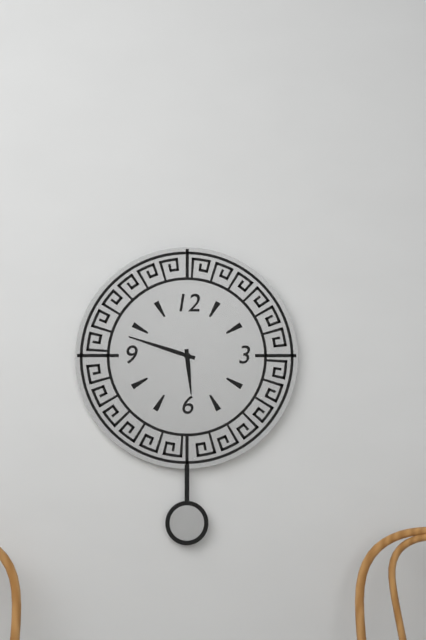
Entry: 5.48
